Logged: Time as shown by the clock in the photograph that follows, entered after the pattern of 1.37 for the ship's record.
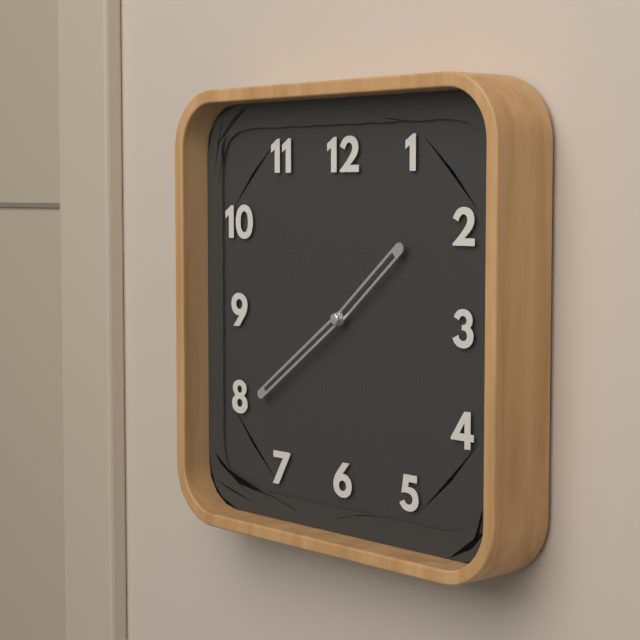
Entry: 1.39
